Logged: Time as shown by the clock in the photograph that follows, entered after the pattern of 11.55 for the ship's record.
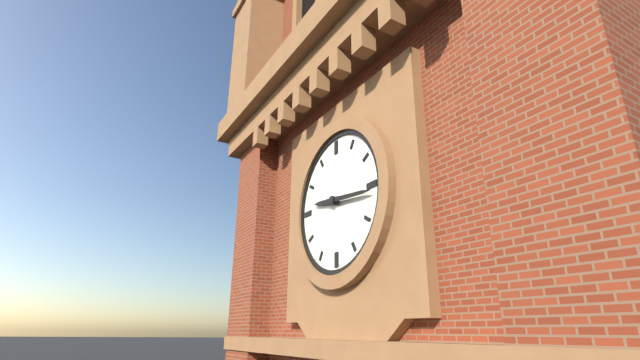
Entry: 9.16
